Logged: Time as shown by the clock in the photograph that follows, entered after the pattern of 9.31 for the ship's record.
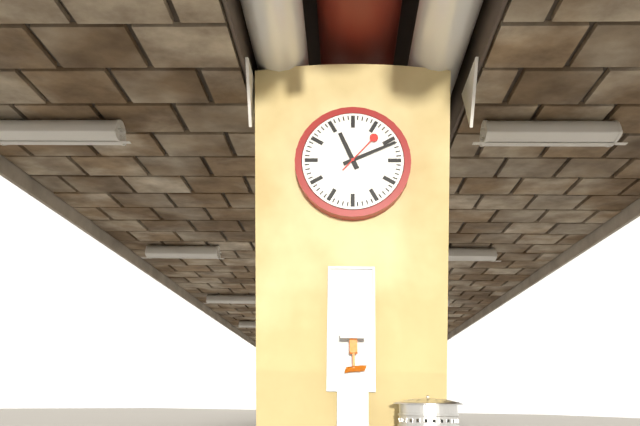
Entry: 11.11
